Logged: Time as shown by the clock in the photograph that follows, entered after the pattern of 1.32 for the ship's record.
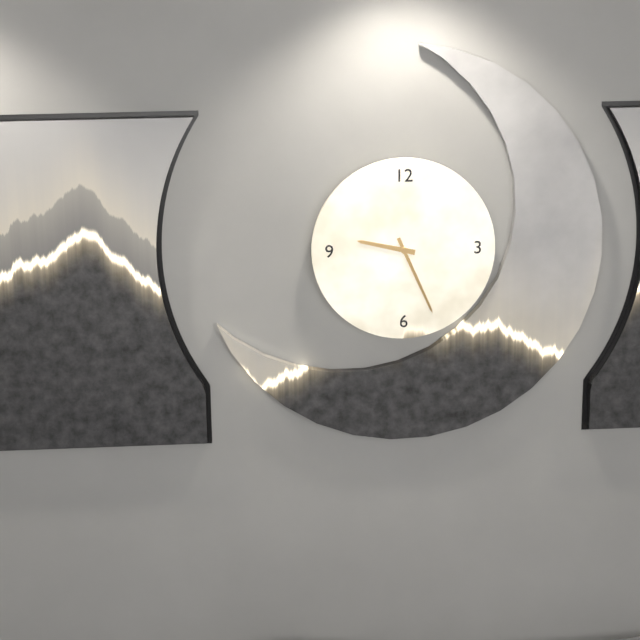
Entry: 9.26
